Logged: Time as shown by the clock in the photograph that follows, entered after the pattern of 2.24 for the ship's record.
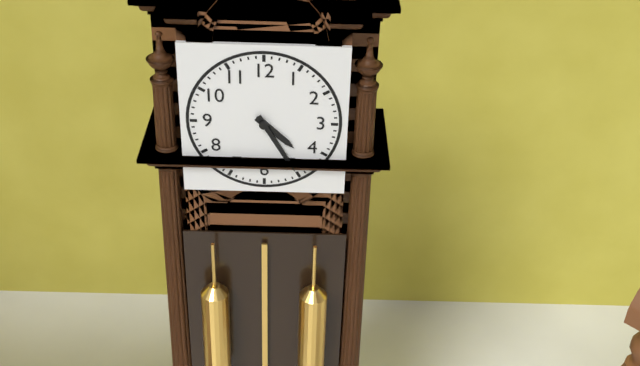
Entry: 4.25
